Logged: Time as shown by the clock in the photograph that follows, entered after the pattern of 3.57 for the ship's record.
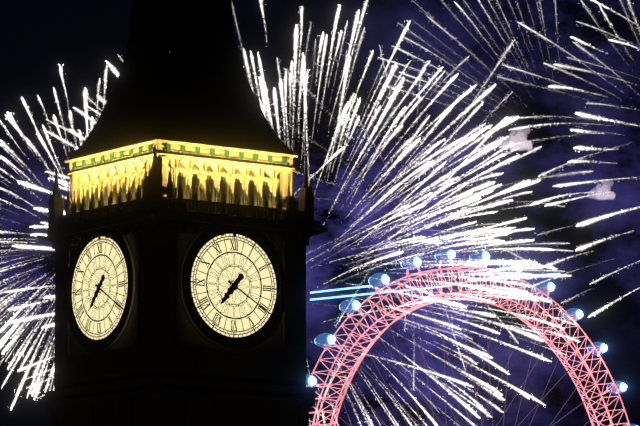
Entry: 7.20
